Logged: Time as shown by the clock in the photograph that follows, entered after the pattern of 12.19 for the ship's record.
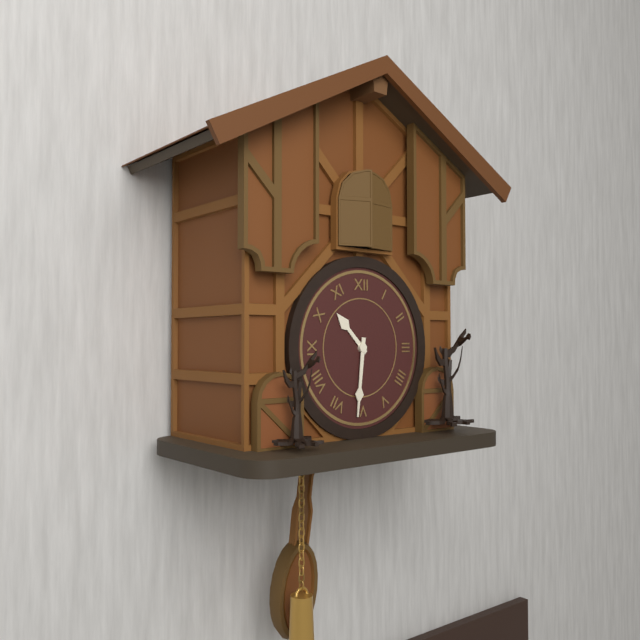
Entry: 10.31
